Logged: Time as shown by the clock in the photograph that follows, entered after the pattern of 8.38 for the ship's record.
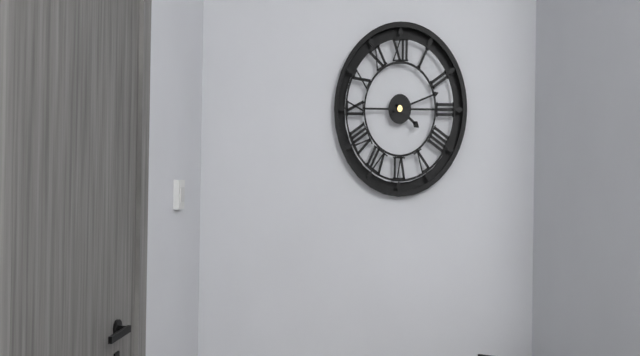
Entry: 4.12
